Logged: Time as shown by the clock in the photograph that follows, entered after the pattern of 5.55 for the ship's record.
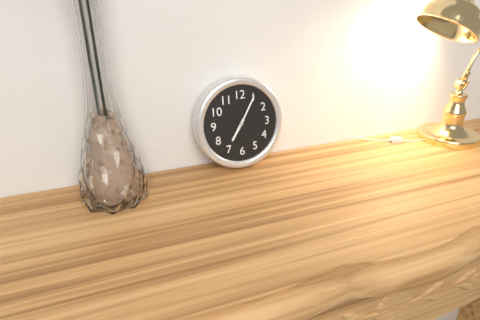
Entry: 7.05
